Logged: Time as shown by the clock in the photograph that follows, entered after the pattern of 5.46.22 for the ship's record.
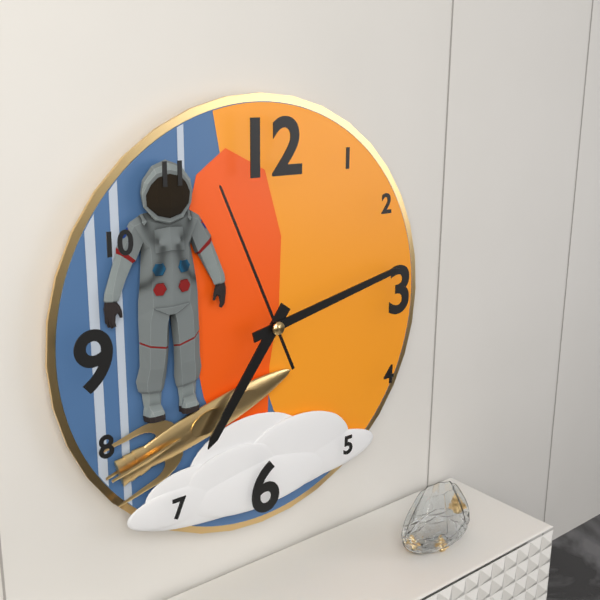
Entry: 7.13.56
